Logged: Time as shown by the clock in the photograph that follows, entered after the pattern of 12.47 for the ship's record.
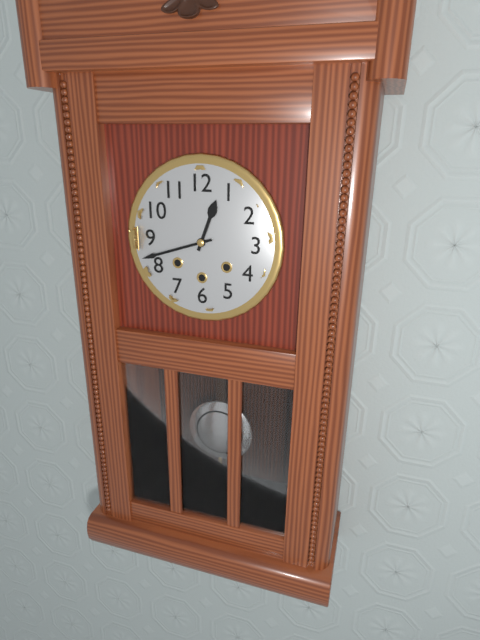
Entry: 12.42
